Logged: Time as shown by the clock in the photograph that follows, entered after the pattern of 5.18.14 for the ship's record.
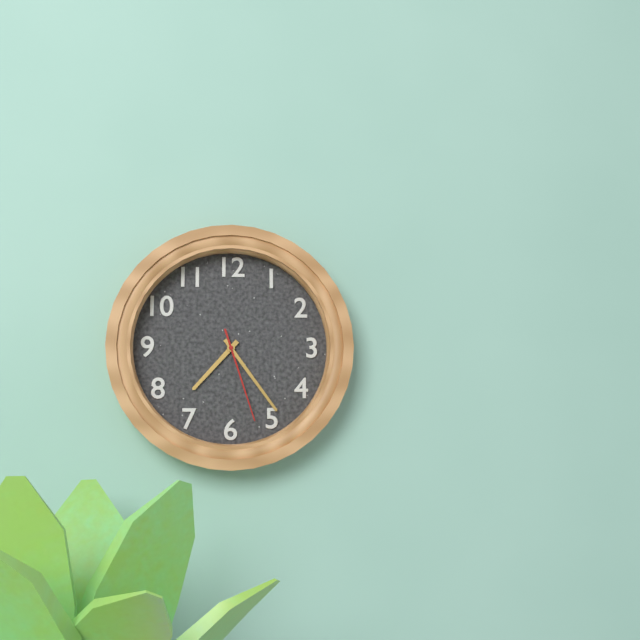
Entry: 7.24.27
